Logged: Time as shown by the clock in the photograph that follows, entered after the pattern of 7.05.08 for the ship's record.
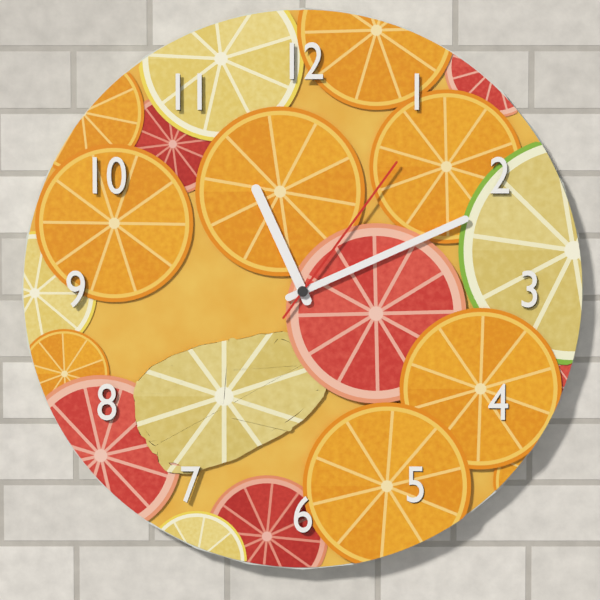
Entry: 11.11.06
